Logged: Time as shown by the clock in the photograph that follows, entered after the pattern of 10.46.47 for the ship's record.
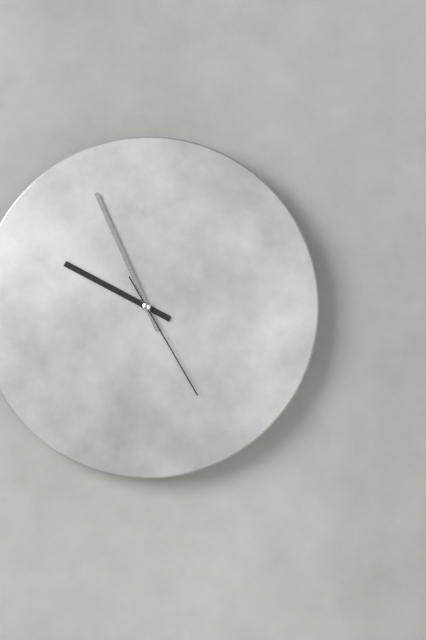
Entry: 9.56.25
